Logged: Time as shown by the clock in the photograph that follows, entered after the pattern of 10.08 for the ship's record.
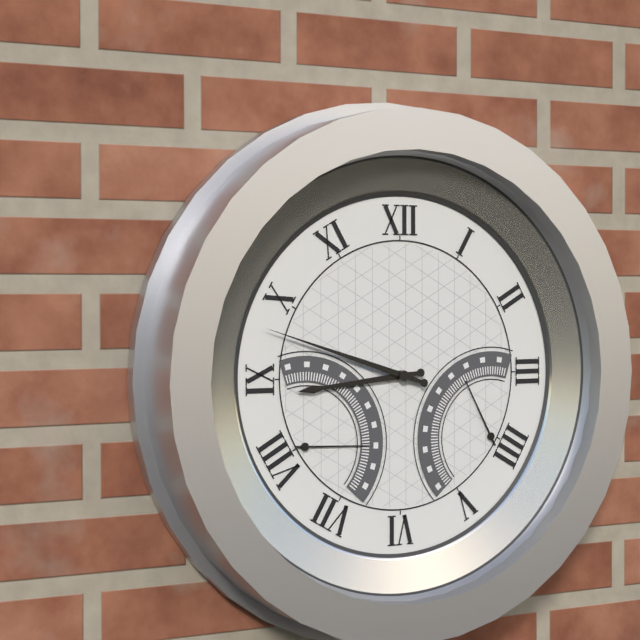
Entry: 8.48
